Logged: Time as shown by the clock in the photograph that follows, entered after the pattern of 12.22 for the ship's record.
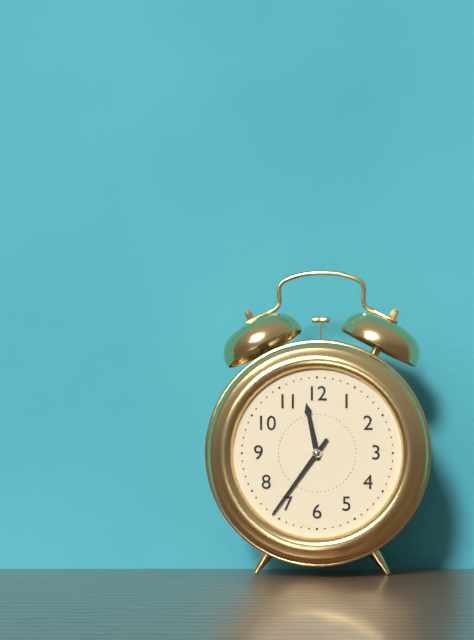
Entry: 11.36
